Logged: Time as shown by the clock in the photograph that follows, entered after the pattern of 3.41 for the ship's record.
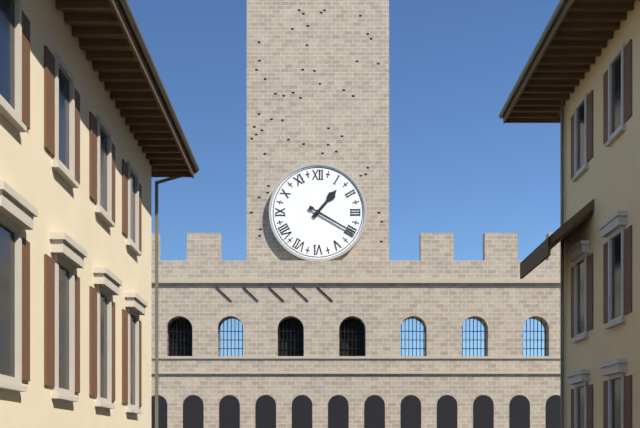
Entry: 1.20
